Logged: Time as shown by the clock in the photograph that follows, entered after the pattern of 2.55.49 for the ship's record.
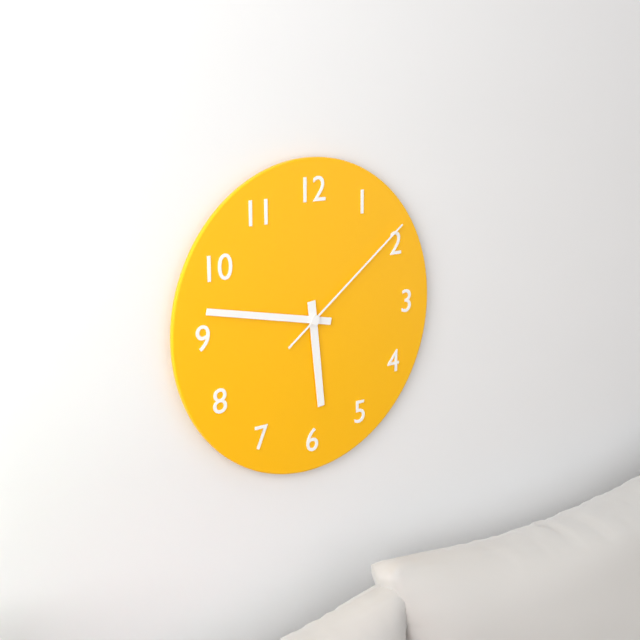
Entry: 5.47.09
